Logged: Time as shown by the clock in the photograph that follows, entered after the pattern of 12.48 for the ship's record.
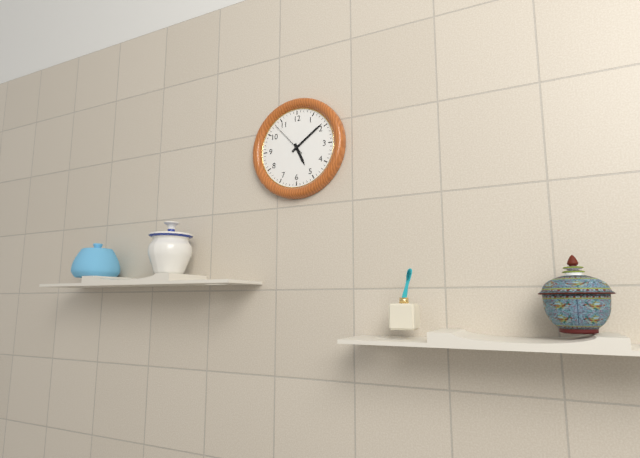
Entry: 5.09
